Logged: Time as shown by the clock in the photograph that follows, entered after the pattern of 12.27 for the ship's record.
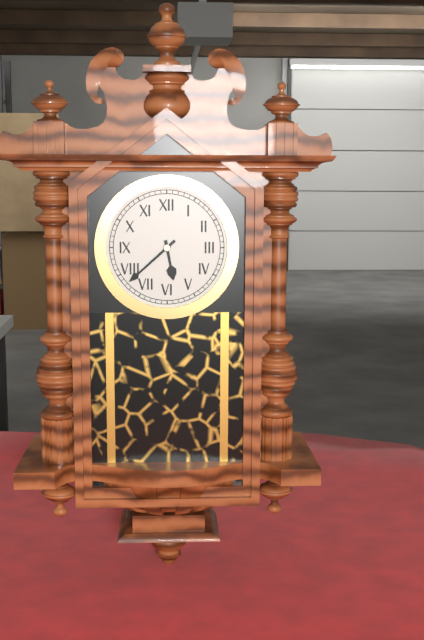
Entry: 5.38
